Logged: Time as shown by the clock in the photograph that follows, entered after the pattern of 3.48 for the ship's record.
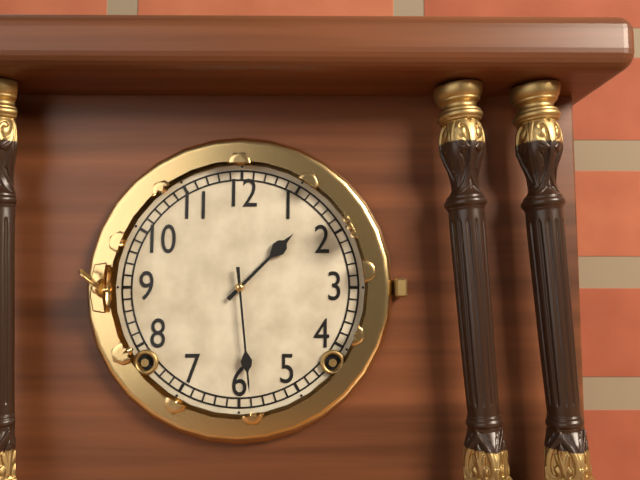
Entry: 1.29
